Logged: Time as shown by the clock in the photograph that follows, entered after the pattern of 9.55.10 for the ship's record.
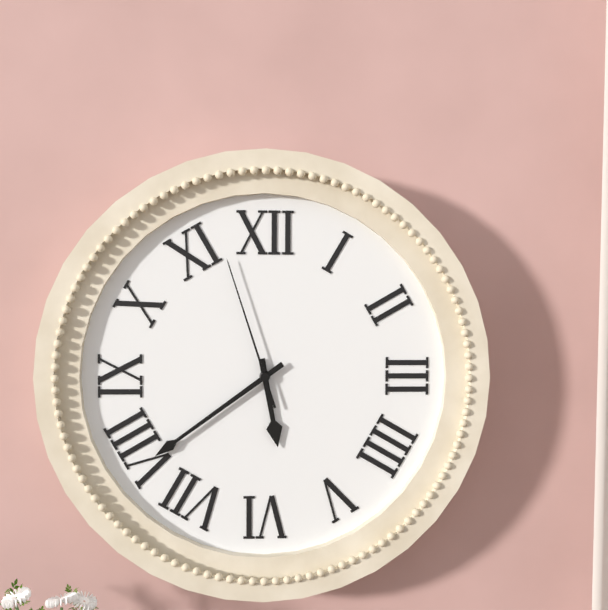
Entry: 5.39.57
